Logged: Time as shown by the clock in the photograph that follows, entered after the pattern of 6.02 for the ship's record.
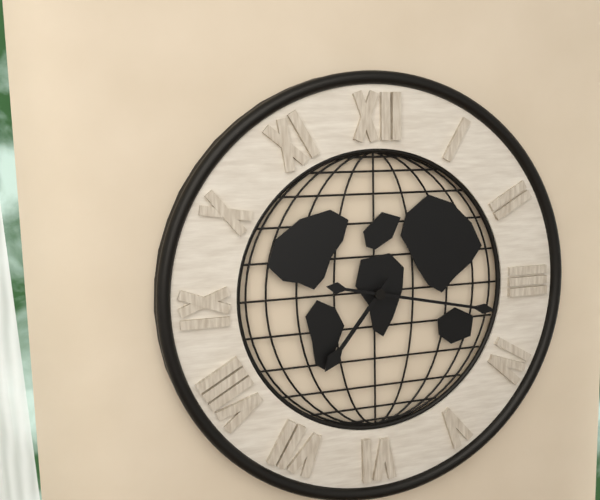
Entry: 7.17
